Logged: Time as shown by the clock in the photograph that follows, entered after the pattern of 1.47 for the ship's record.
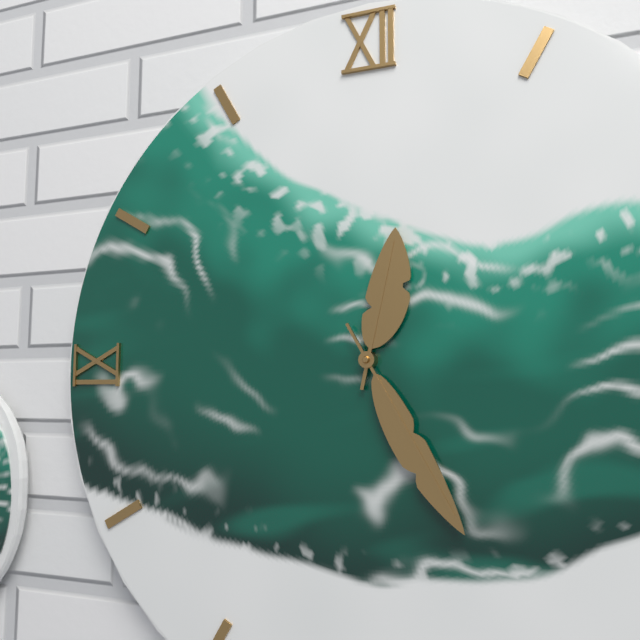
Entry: 12.25
